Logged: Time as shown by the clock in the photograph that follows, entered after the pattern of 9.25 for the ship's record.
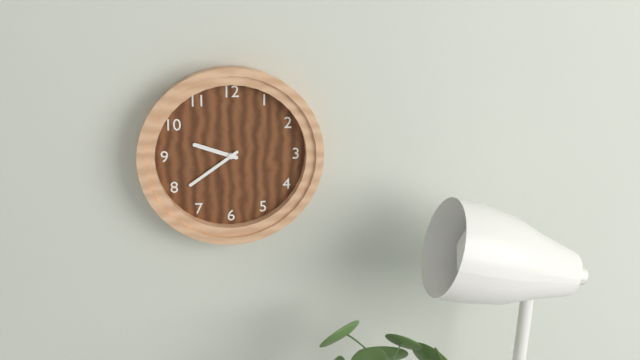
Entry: 9.39
